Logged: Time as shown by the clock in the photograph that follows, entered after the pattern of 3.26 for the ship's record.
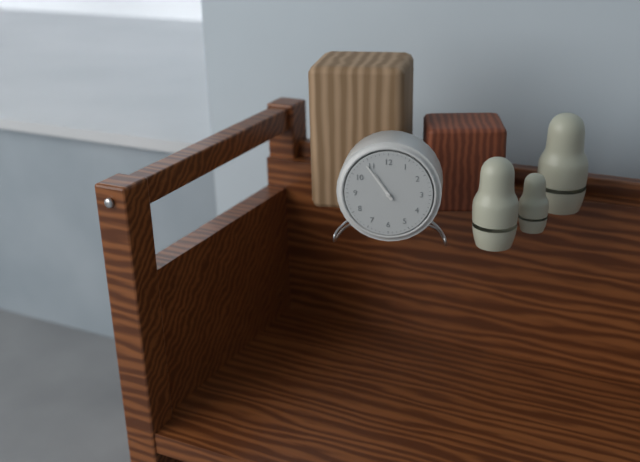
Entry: 10.54
